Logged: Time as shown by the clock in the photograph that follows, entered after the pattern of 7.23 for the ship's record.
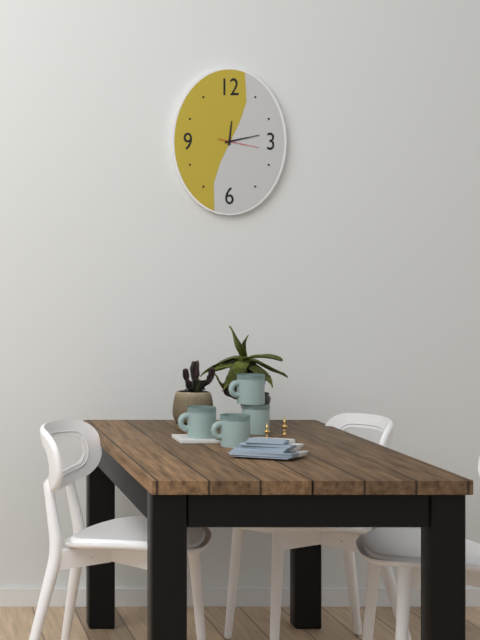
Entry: 12.13
